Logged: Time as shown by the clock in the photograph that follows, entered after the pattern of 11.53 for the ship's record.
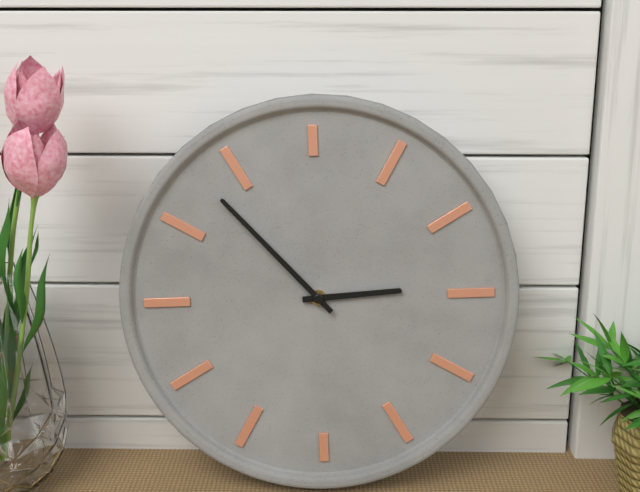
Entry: 2.53
